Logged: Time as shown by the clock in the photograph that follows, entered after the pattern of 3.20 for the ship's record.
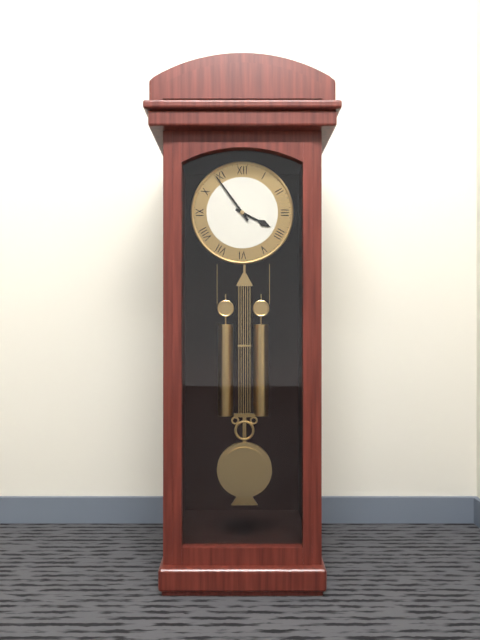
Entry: 3.54
